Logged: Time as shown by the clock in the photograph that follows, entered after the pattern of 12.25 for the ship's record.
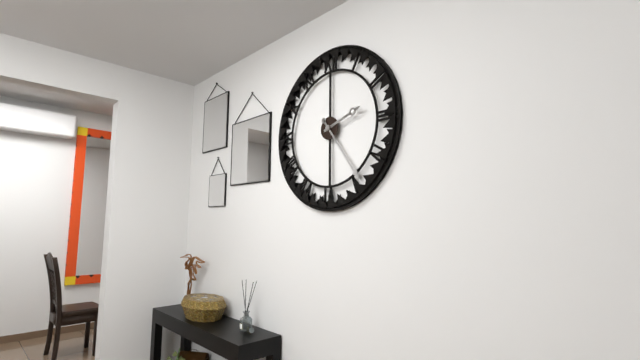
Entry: 2.24
